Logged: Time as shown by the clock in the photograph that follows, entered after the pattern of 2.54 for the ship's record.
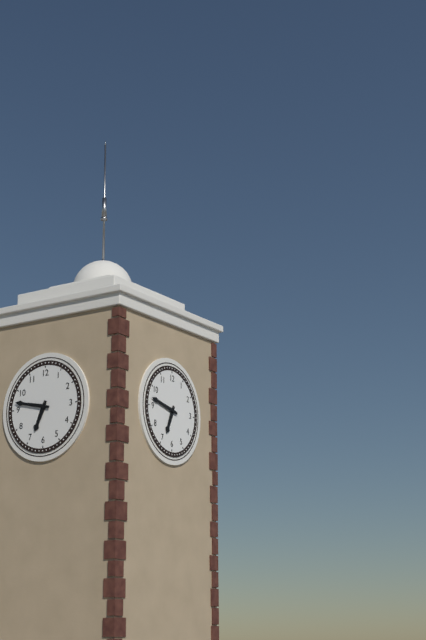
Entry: 6.47
